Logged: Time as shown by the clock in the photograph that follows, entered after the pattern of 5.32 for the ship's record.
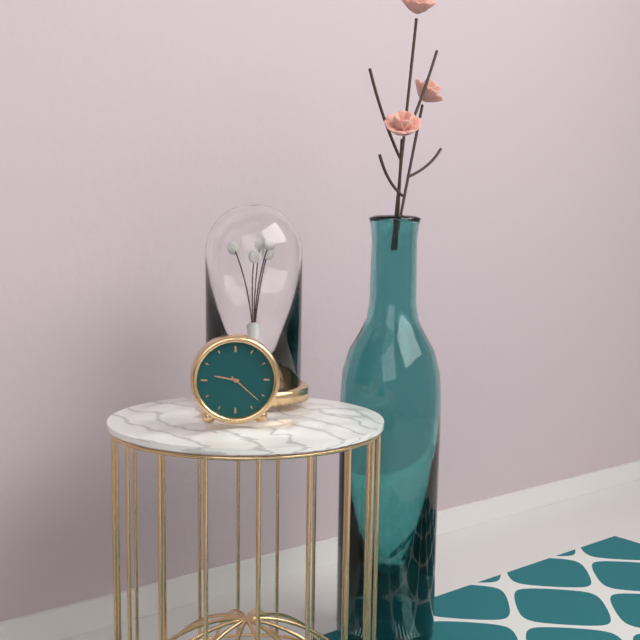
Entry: 9.22
